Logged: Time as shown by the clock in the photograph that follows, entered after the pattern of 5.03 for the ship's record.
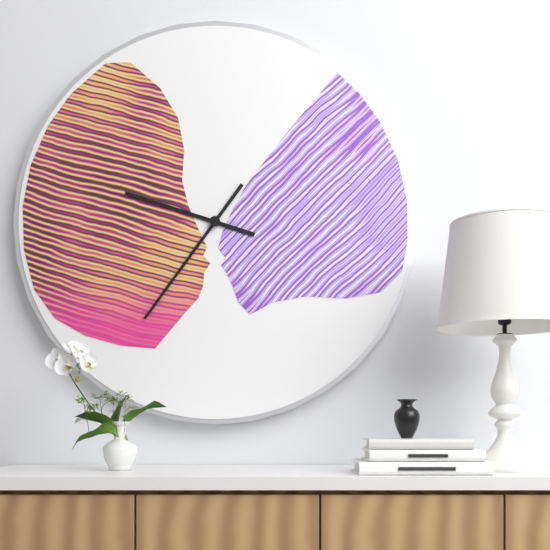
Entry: 9.36
